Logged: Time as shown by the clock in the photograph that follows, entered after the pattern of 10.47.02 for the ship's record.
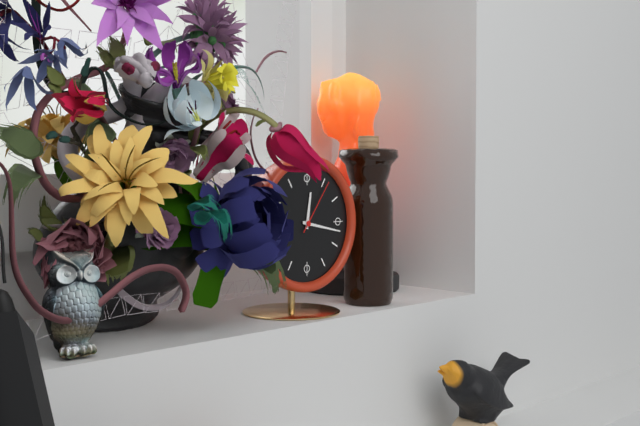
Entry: 12.17.06
